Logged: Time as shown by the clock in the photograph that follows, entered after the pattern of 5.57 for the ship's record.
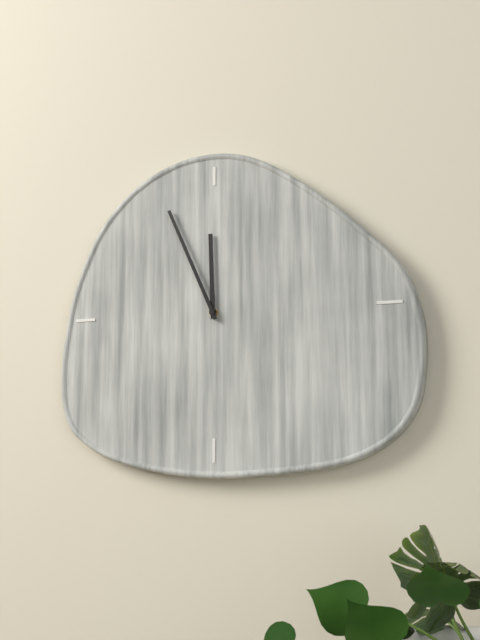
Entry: 11.56
